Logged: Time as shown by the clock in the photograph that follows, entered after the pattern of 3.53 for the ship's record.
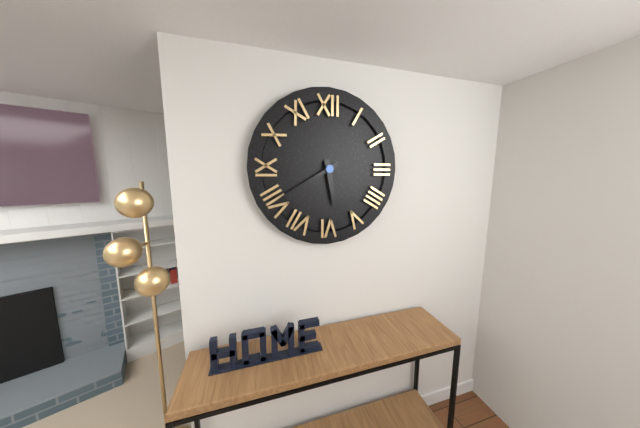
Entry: 5.40
